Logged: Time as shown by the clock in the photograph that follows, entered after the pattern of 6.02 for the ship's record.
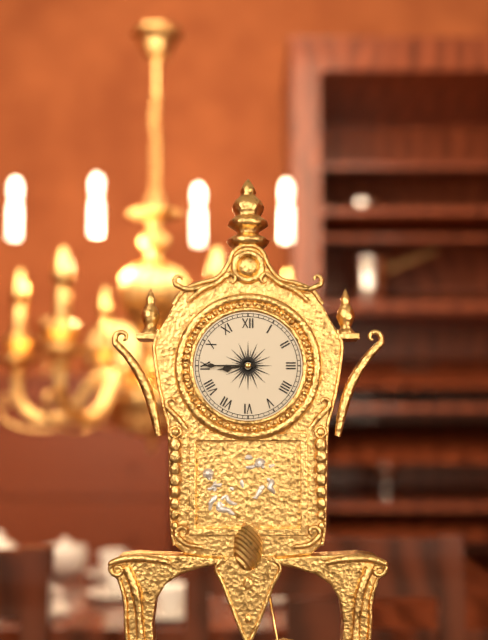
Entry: 8.45
